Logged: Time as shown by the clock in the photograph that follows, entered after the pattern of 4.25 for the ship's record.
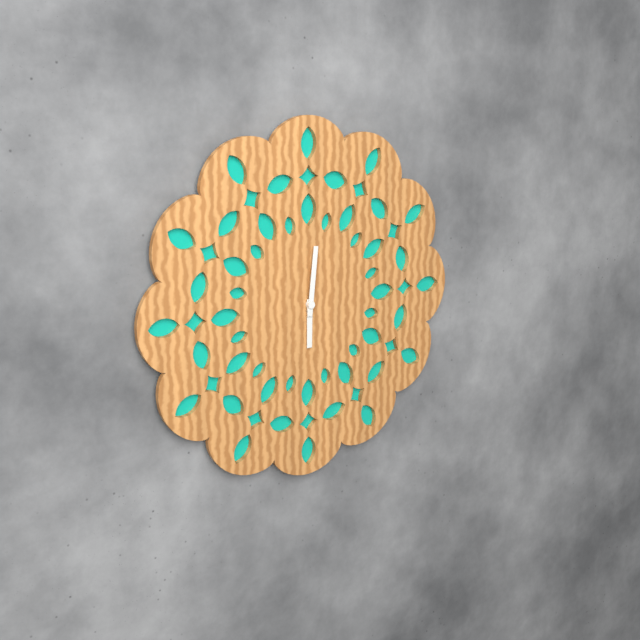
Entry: 6.01
